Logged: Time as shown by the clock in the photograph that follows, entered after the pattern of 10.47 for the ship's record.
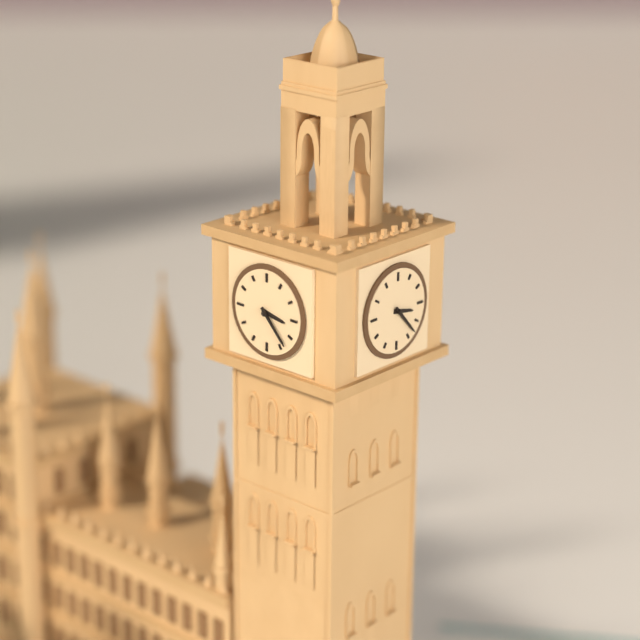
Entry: 3.23
